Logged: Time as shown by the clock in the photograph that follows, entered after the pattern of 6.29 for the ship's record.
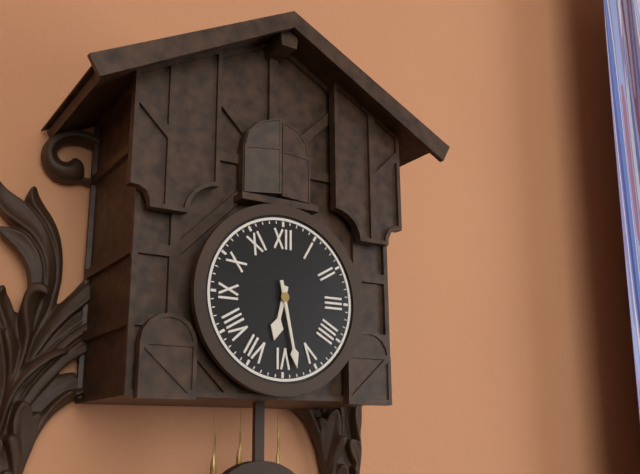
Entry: 6.28
